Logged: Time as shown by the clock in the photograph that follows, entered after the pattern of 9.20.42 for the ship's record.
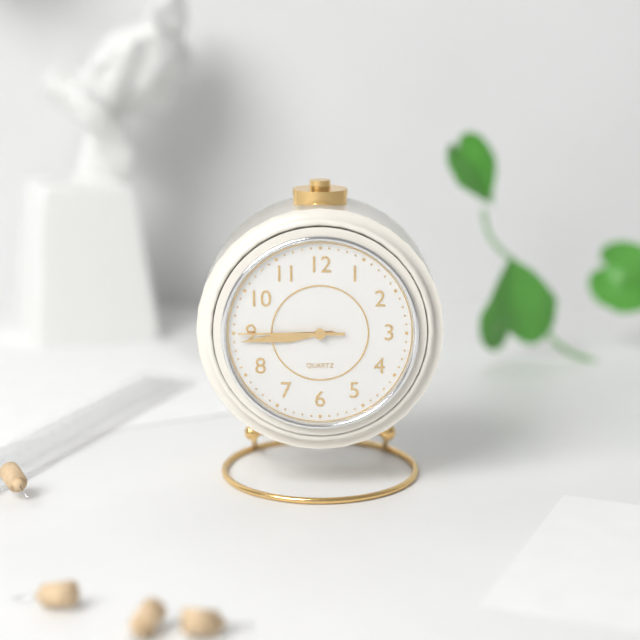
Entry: 8.44.45
